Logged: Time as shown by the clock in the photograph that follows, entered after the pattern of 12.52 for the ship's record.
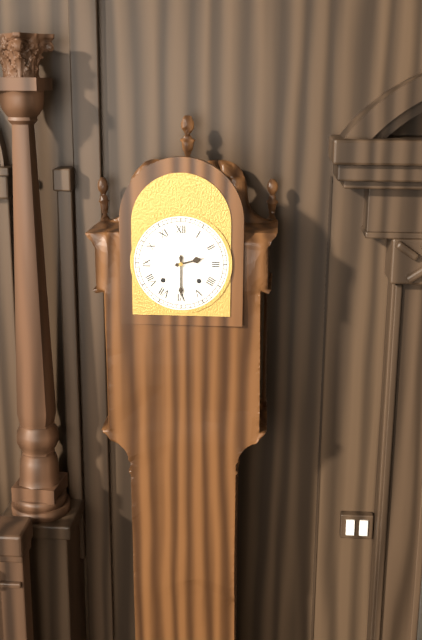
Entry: 2.30
